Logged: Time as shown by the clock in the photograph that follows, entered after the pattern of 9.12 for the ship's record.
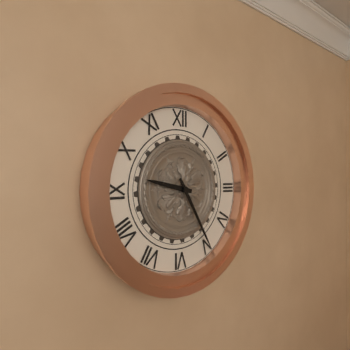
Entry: 9.25
